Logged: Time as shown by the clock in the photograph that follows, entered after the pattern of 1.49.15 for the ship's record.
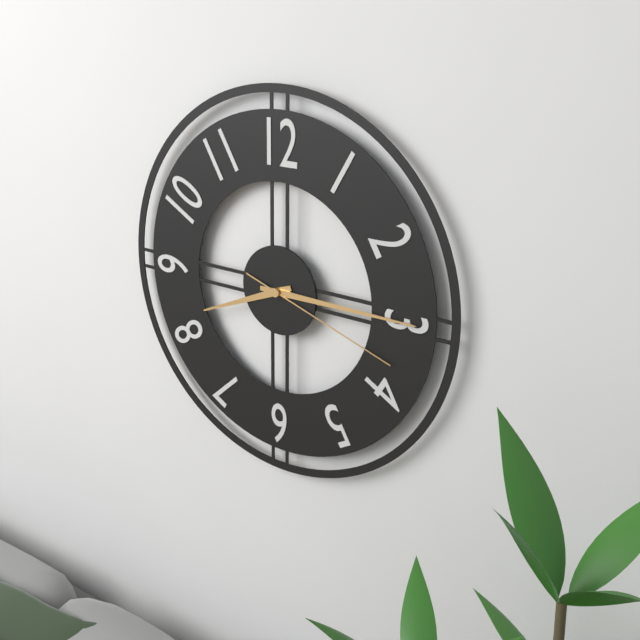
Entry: 8.15.18
